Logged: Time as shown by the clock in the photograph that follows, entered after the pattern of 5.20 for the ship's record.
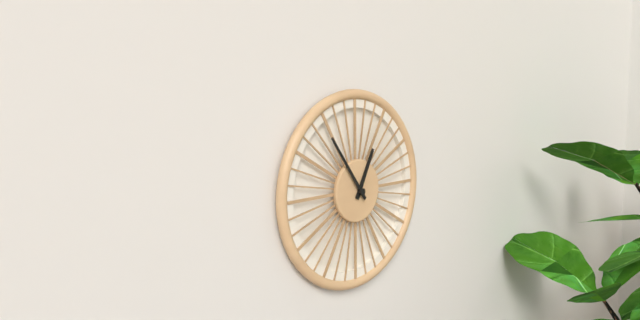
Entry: 12.54
